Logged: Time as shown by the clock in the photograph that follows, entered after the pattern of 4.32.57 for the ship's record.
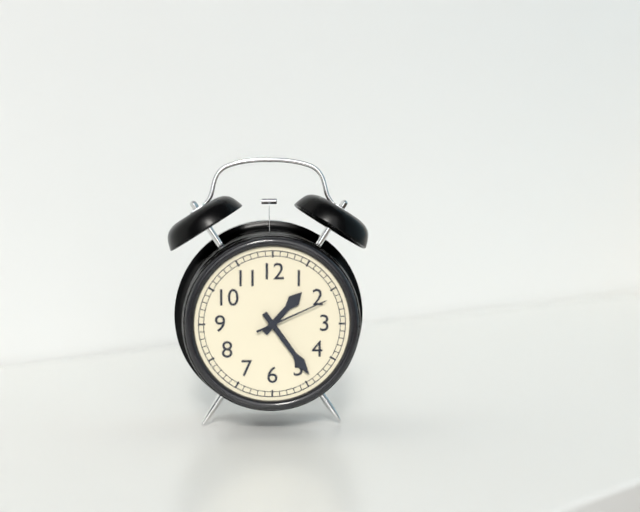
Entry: 1.24.11
